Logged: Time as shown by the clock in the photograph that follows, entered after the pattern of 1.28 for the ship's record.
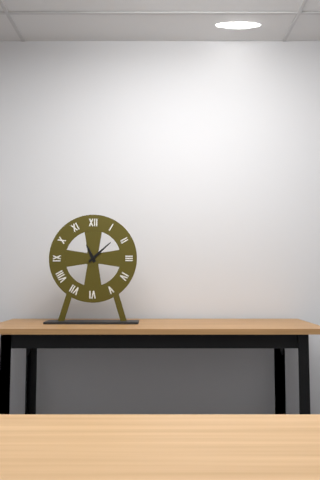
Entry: 11.08
